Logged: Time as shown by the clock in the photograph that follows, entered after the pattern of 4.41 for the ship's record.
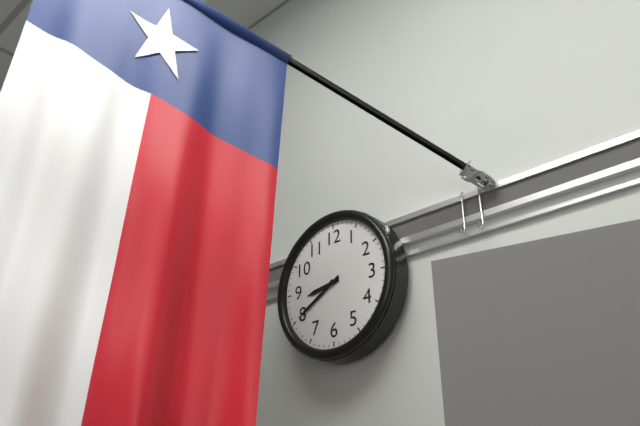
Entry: 8.40
